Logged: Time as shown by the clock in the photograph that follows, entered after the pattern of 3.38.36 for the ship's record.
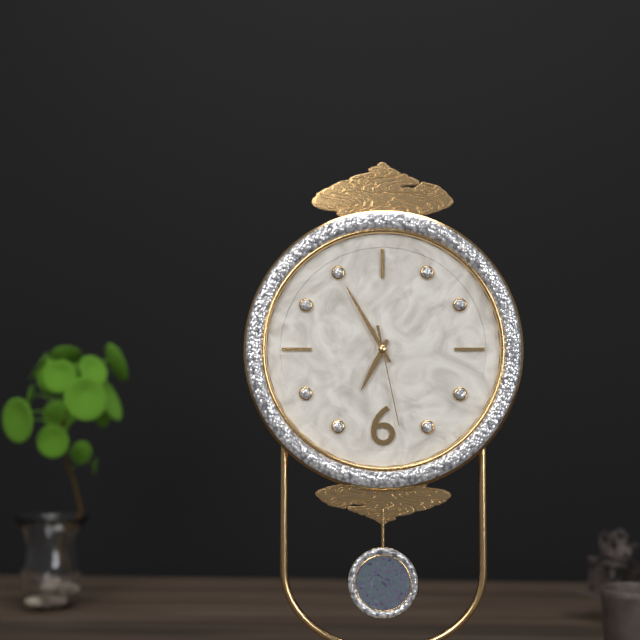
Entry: 6.55.28
